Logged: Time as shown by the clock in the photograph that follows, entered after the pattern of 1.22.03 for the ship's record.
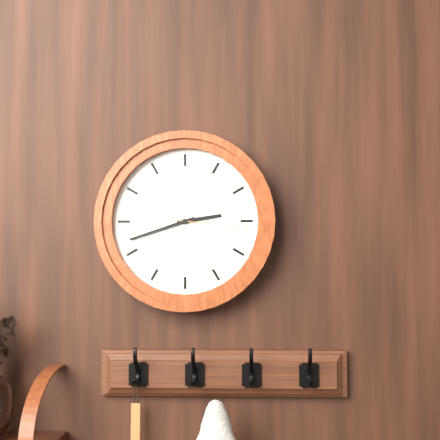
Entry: 2.42.16
